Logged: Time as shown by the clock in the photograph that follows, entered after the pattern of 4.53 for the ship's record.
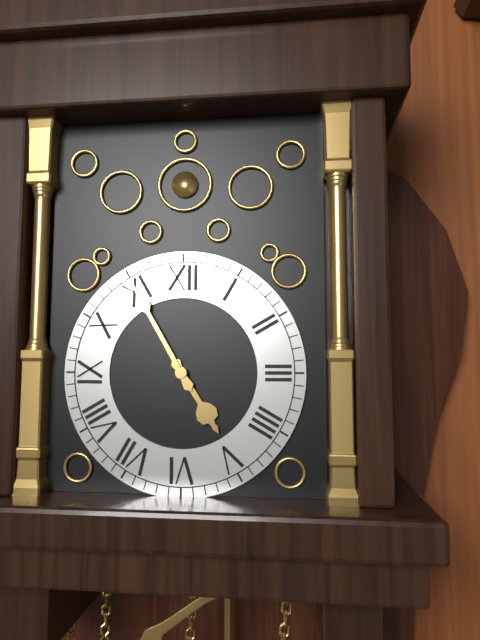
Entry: 4.55
